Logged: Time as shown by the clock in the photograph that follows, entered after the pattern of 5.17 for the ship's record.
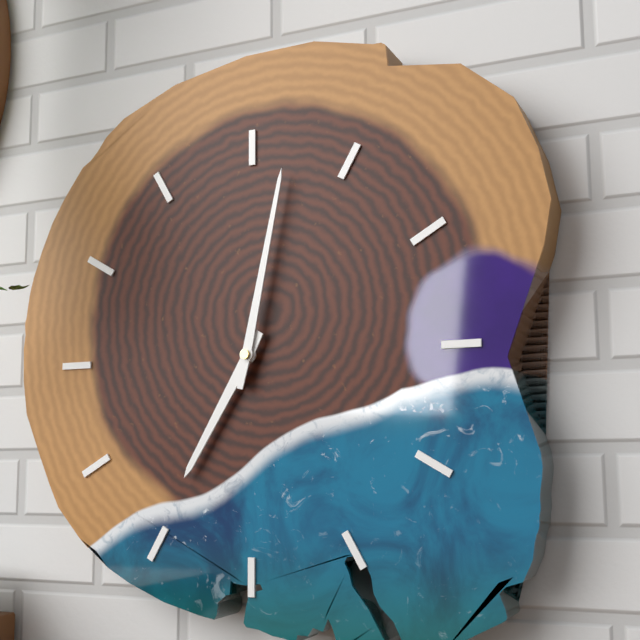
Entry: 7.02
